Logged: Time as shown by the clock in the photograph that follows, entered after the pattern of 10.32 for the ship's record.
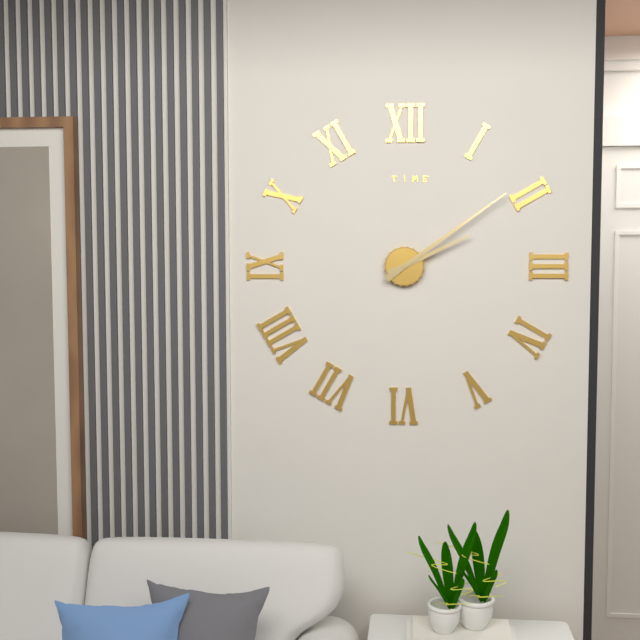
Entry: 2.09
